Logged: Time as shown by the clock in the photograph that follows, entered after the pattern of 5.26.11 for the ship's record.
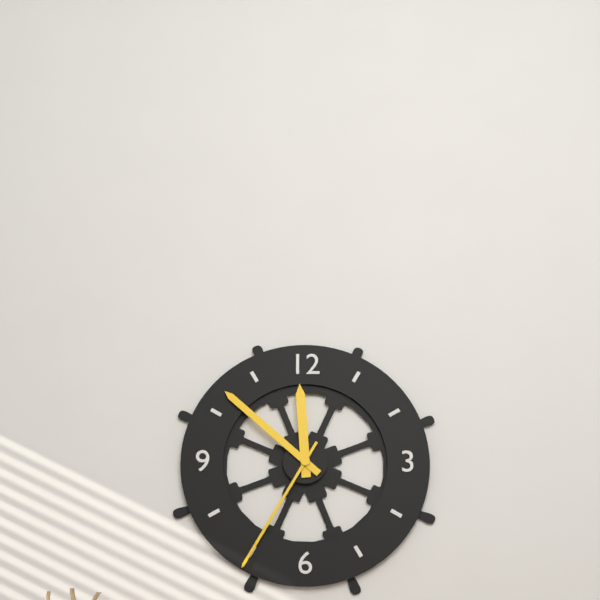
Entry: 11.52.35
